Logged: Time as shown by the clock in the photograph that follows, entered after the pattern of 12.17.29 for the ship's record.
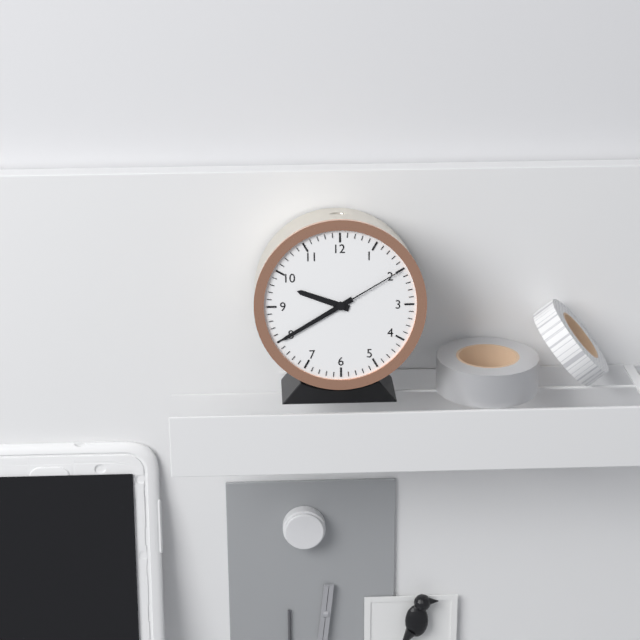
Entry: 9.40.10
